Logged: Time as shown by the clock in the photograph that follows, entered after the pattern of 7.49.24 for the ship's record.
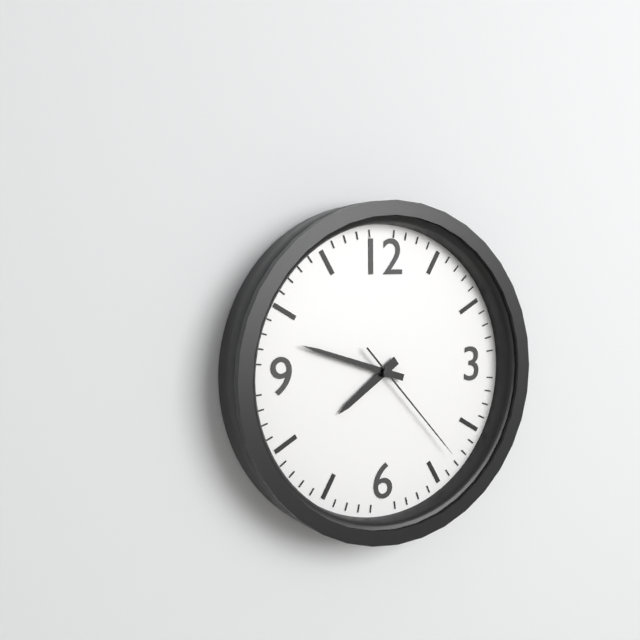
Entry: 7.48.23
